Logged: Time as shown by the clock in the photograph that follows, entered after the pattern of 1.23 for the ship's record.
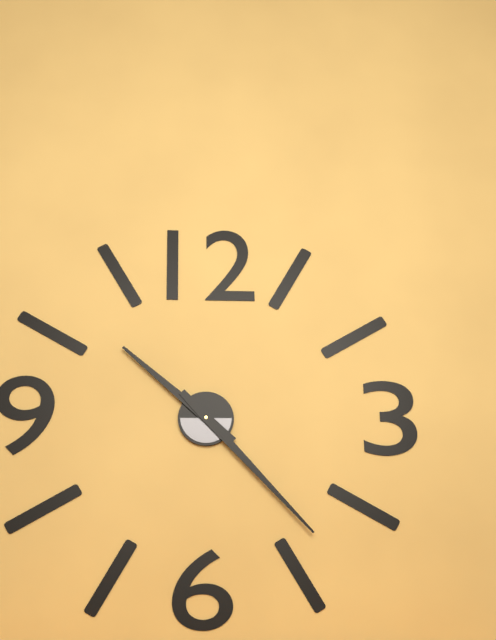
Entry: 10.23
